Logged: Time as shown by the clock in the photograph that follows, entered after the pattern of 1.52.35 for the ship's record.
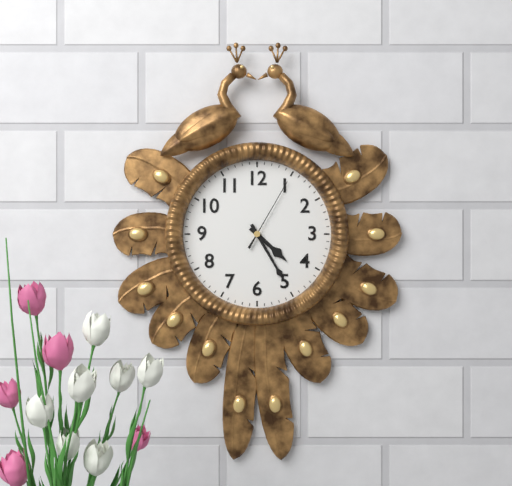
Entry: 4.25.05
